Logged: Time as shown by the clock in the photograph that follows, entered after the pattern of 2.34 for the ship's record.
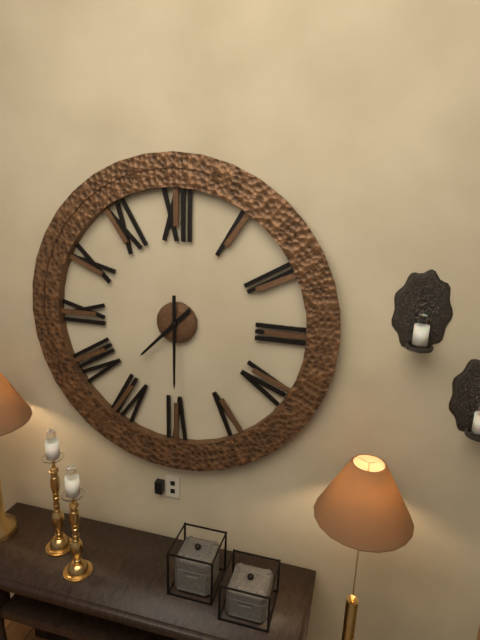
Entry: 7.30
